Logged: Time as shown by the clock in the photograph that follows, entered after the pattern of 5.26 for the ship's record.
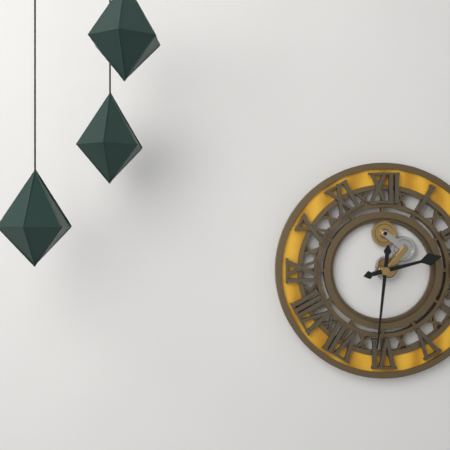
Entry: 2.31
